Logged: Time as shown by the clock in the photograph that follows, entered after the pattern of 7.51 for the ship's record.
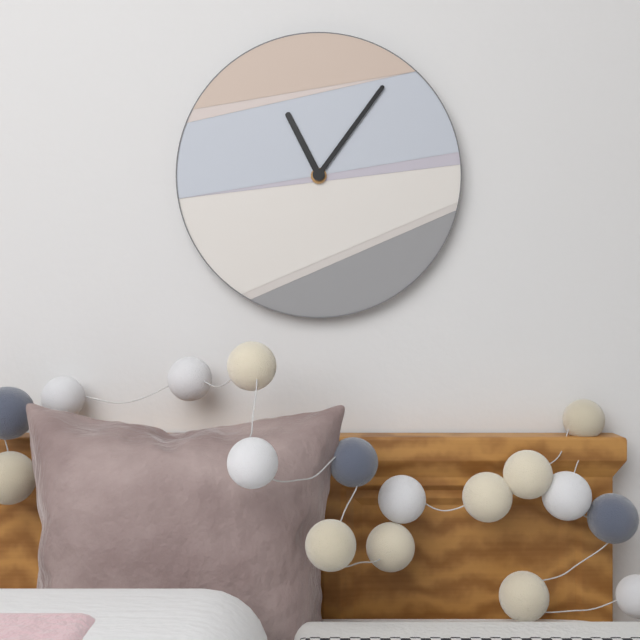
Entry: 11.06
